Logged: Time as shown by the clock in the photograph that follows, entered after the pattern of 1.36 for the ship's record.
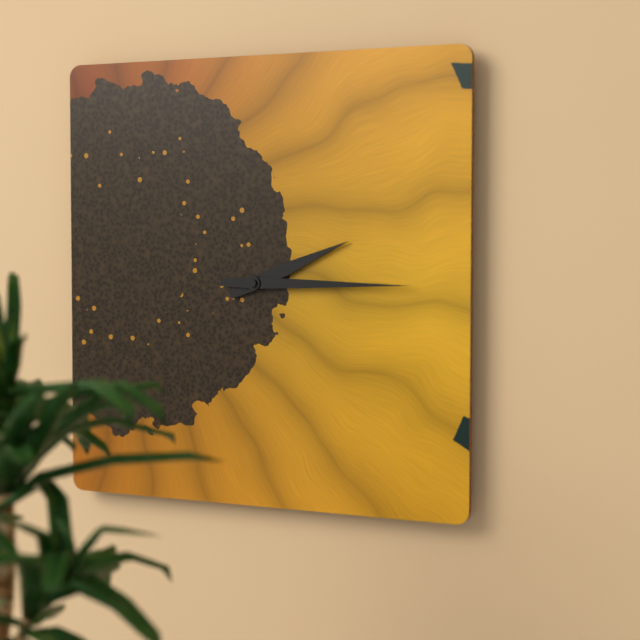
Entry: 2.15
